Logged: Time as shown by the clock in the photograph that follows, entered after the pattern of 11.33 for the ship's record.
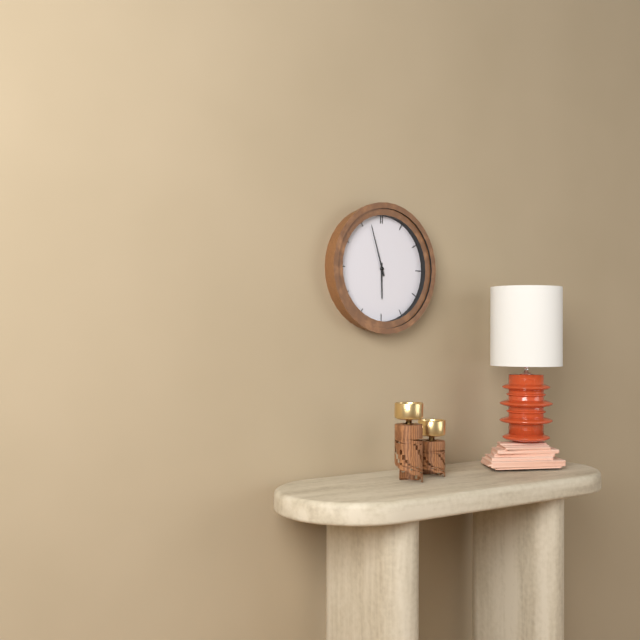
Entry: 5.57
